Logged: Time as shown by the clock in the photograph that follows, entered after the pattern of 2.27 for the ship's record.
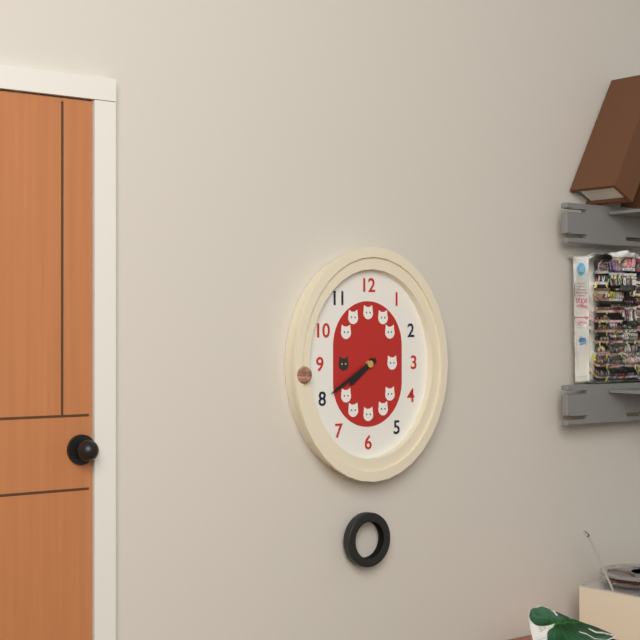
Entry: 7.40
